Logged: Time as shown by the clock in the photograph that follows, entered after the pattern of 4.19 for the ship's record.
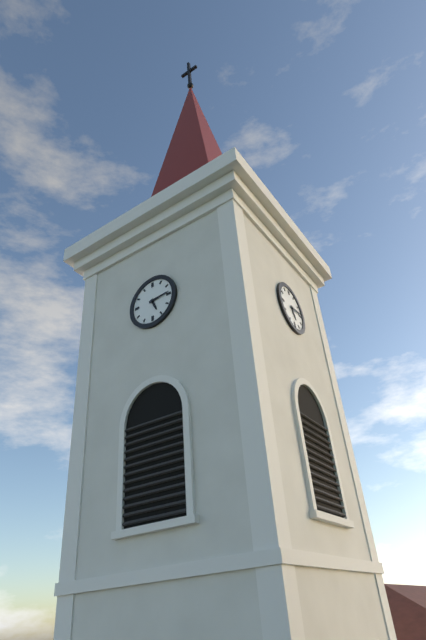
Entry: 5.14
